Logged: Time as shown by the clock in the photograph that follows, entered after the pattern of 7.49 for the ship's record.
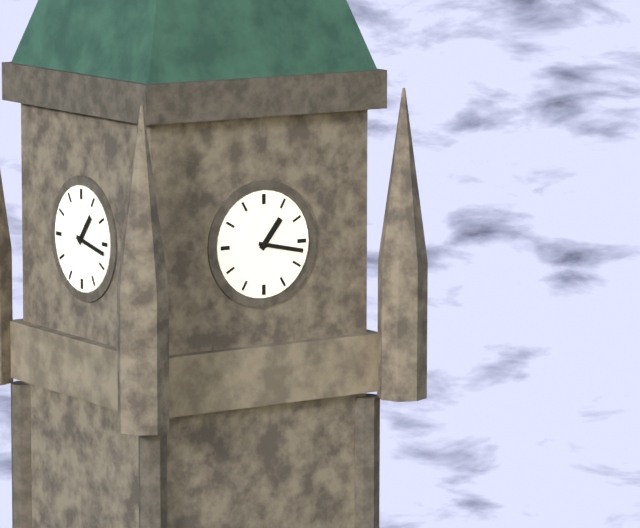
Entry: 1.17
